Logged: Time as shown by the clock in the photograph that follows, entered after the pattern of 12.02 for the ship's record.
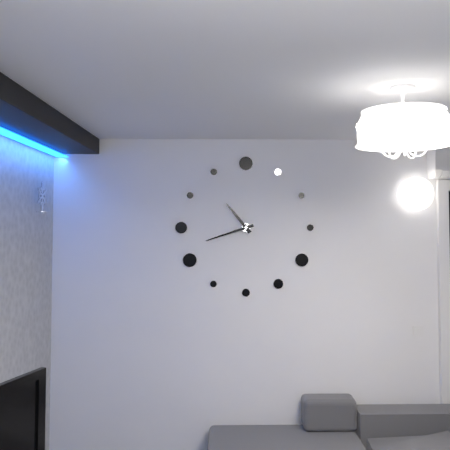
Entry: 10.42
